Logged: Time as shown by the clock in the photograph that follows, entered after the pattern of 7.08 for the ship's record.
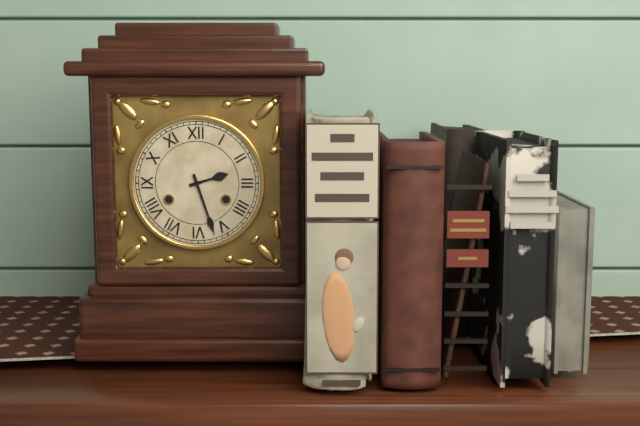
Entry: 2.27
